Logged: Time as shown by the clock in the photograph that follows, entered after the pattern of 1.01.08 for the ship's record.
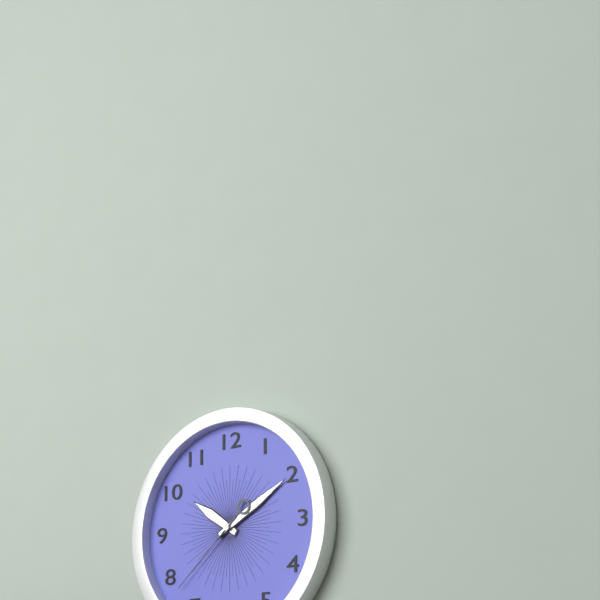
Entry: 10.10.38
